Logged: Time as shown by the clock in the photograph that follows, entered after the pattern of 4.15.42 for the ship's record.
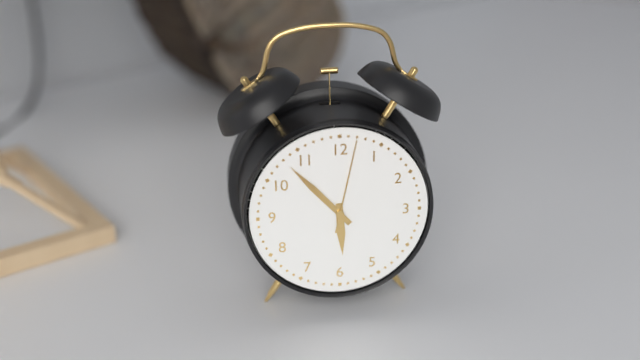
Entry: 5.53.02
